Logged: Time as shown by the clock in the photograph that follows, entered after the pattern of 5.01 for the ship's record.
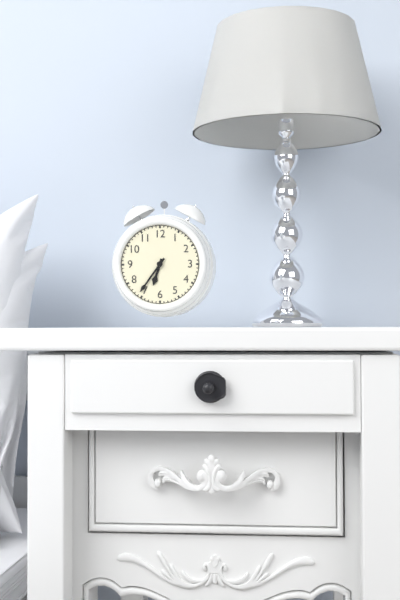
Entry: 6.36
